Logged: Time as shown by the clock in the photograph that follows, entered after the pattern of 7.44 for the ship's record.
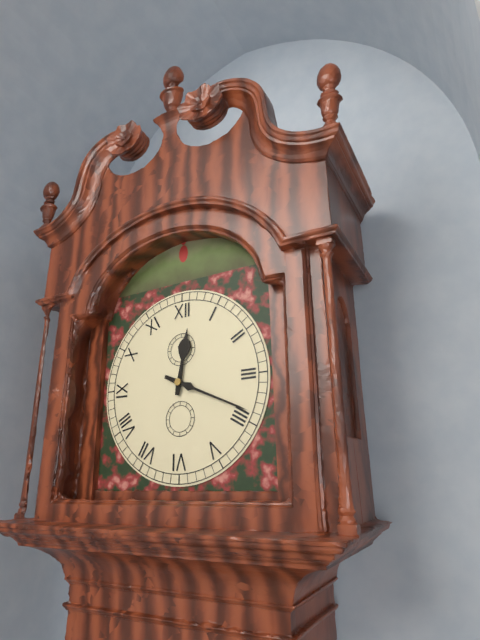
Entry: 12.19
